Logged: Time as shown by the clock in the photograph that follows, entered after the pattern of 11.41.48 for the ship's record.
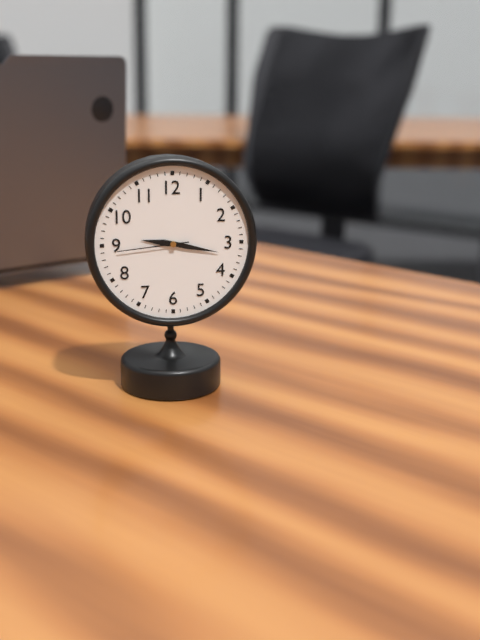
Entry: 9.17.44
